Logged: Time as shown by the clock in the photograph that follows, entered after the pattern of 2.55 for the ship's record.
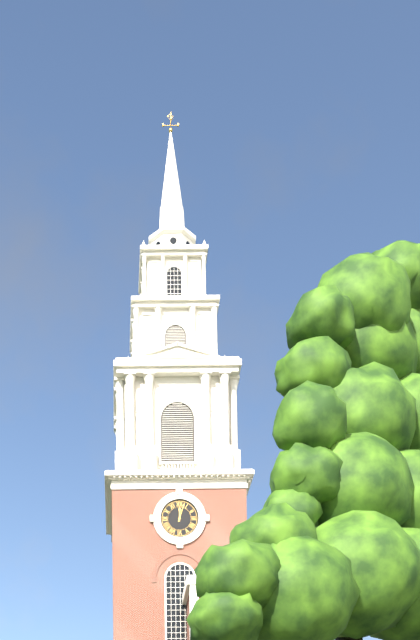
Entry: 12.03
